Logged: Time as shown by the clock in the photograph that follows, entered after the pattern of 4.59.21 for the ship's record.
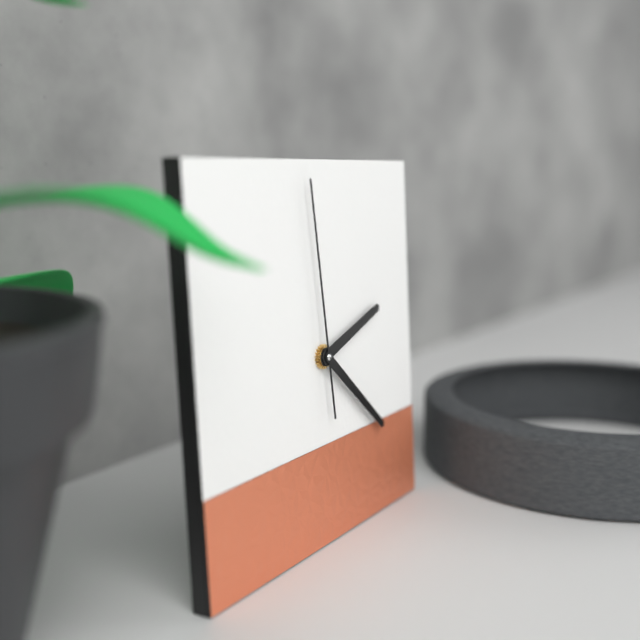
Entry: 2.22.59
